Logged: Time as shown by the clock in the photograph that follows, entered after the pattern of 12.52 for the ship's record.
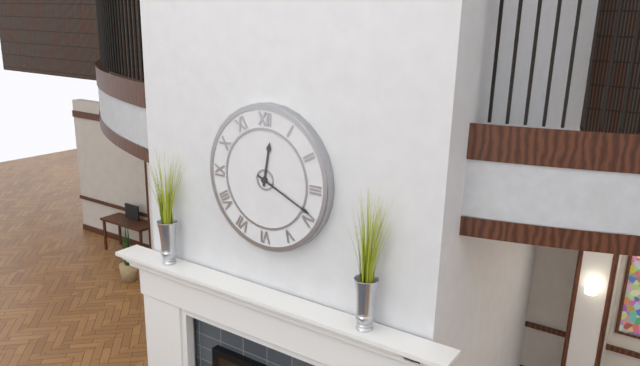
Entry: 12.19
